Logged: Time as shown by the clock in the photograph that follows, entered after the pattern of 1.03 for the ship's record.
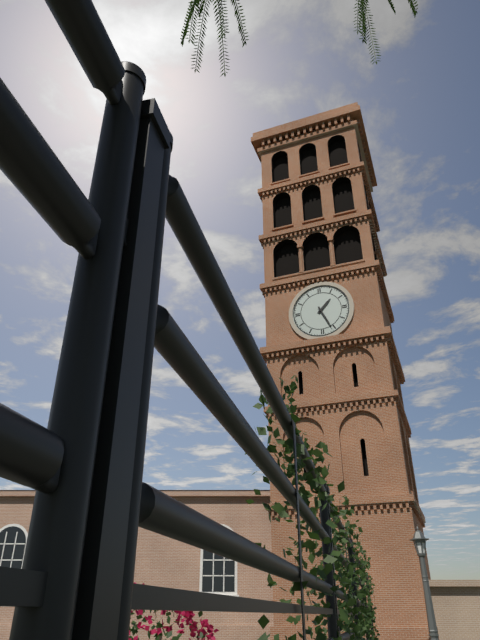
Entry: 1.26
